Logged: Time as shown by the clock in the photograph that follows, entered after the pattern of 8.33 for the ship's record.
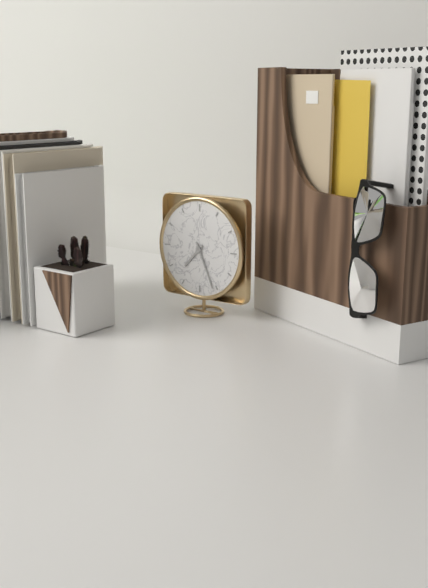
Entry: 7.26
